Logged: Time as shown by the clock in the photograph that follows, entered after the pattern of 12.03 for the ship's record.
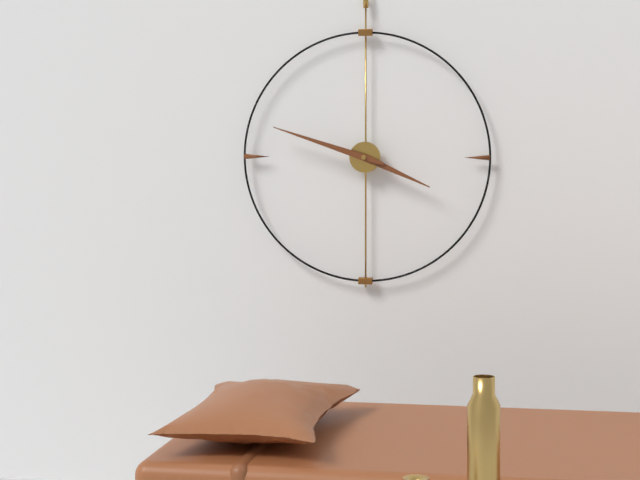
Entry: 3.48
